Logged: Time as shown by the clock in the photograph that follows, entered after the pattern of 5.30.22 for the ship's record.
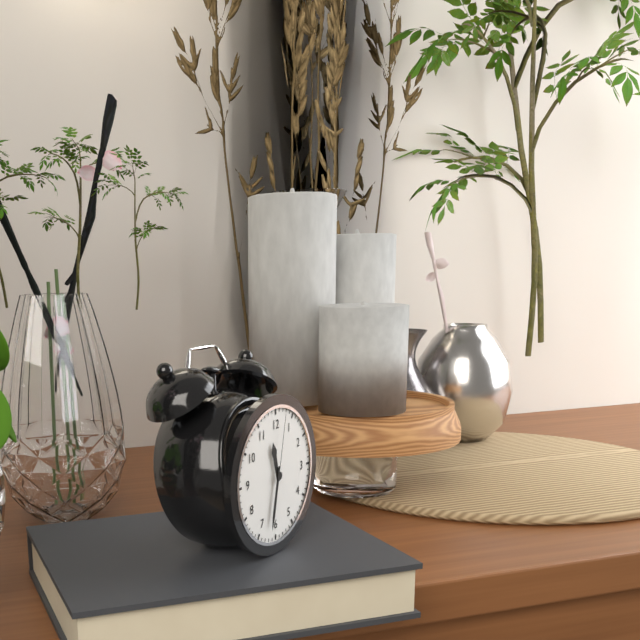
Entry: 11.32.02
